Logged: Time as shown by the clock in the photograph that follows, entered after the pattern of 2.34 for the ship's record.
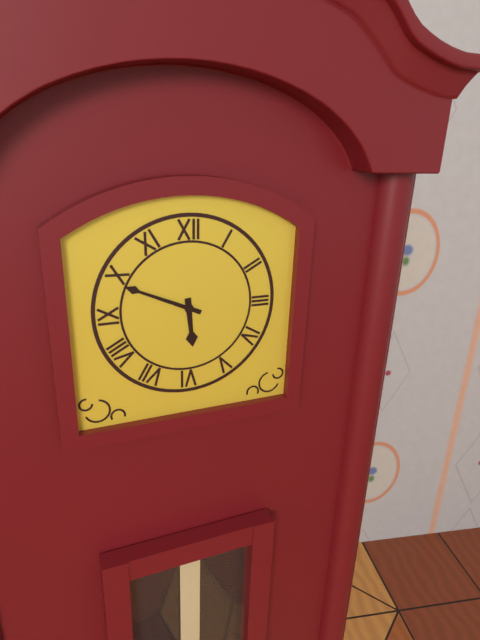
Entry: 5.49
